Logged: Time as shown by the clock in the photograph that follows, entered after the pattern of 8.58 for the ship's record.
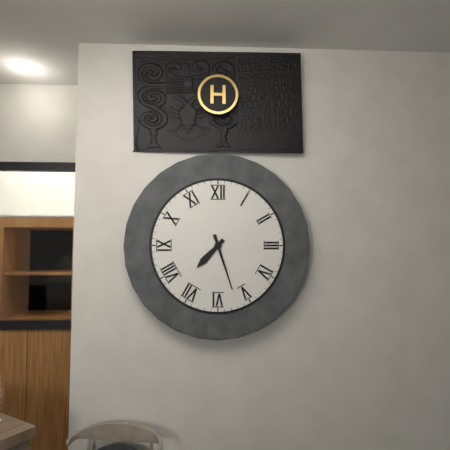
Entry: 7.27
